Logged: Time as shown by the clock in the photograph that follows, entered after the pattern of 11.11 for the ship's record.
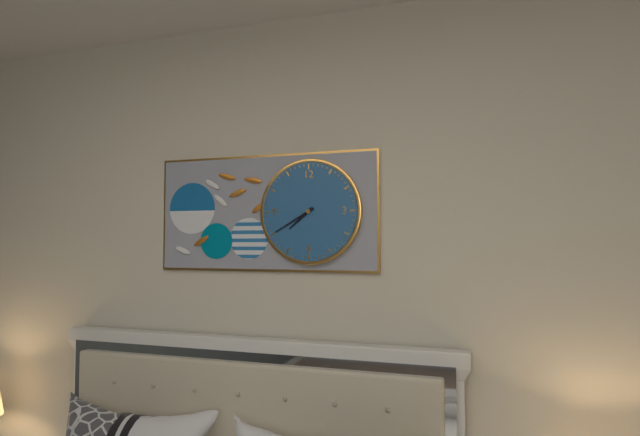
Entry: 7.40
